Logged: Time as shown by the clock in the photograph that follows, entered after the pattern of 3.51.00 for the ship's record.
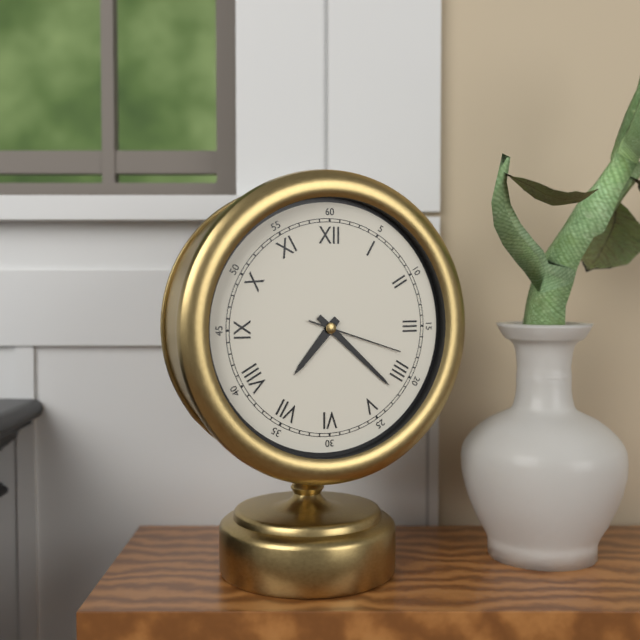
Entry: 7.22.18
